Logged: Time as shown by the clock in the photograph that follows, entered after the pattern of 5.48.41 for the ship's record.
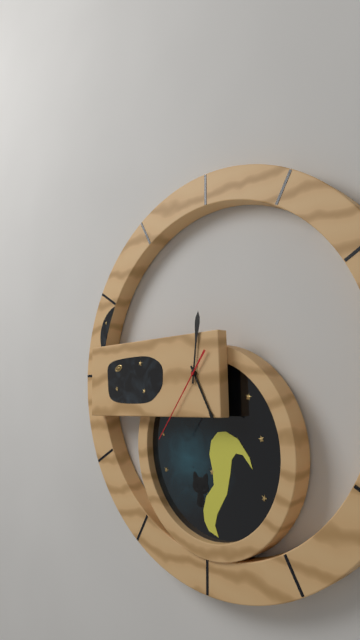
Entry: 5.01.36
